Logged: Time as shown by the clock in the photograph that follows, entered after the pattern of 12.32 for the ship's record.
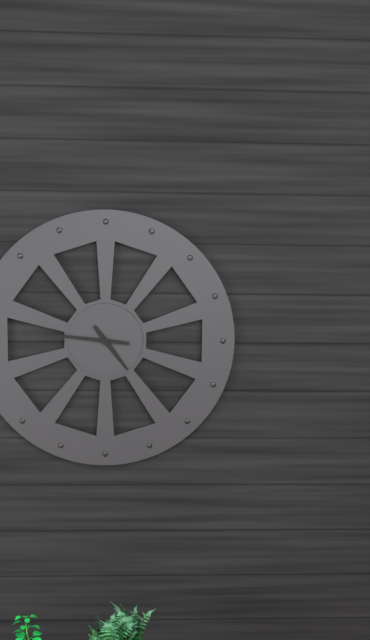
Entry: 4.46
